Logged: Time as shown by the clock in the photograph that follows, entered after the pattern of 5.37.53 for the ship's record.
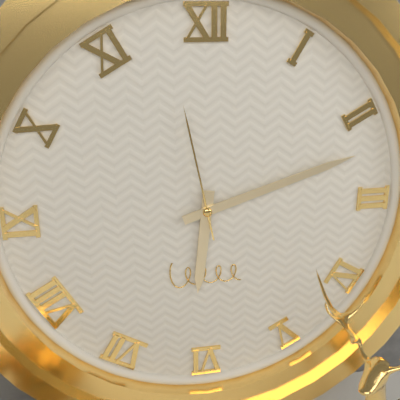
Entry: 6.12.58
